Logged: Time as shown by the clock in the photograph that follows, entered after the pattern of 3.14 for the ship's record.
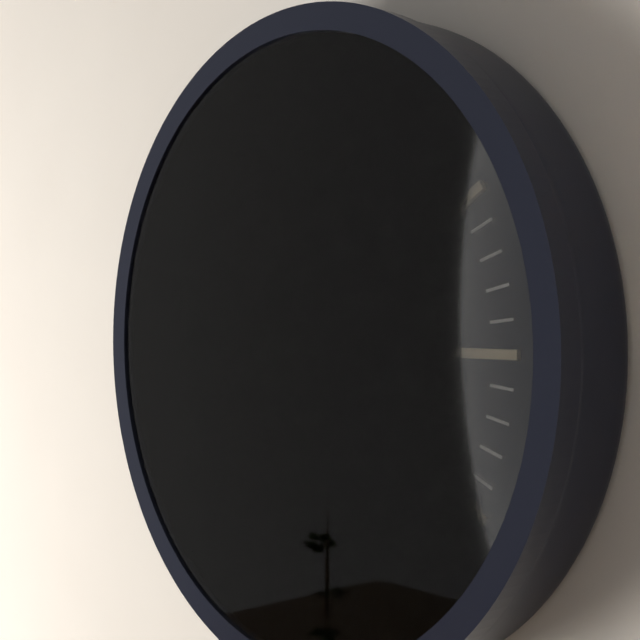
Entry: 12.35
